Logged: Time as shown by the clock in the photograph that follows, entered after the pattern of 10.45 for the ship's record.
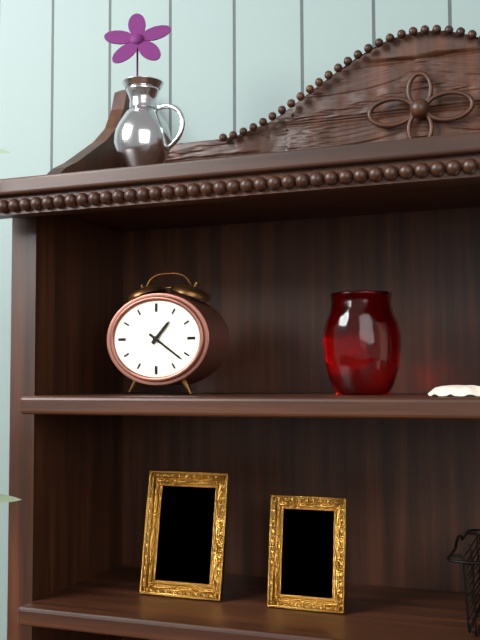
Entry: 1.21
